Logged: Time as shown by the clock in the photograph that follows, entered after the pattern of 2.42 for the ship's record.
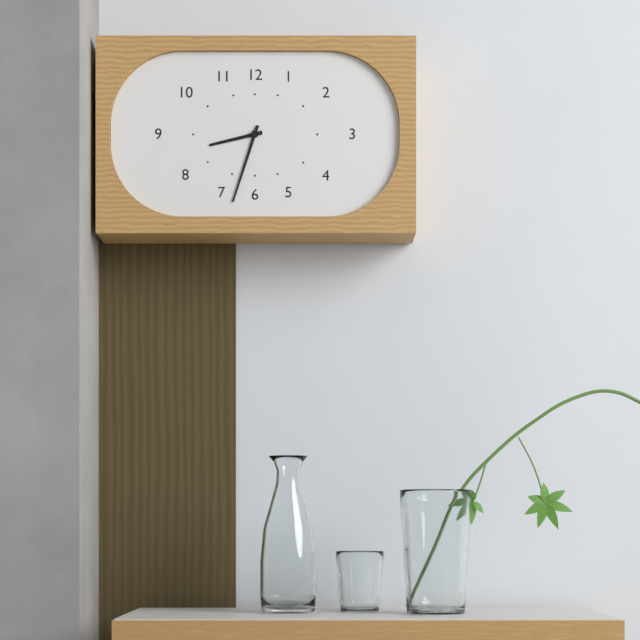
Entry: 8.33
